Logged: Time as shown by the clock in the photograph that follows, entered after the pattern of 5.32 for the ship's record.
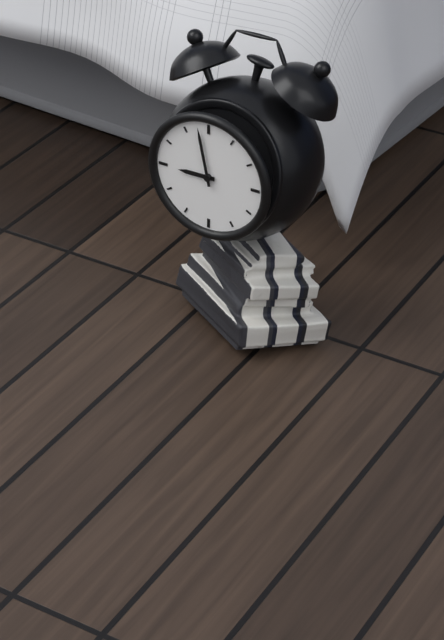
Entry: 8.58
